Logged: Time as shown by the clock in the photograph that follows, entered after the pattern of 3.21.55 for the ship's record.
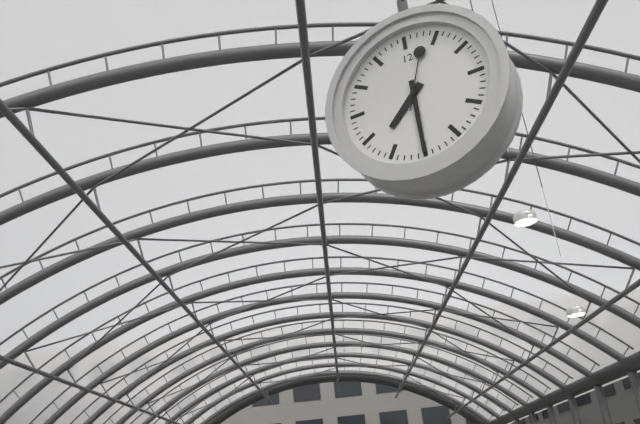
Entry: 7.30.03
